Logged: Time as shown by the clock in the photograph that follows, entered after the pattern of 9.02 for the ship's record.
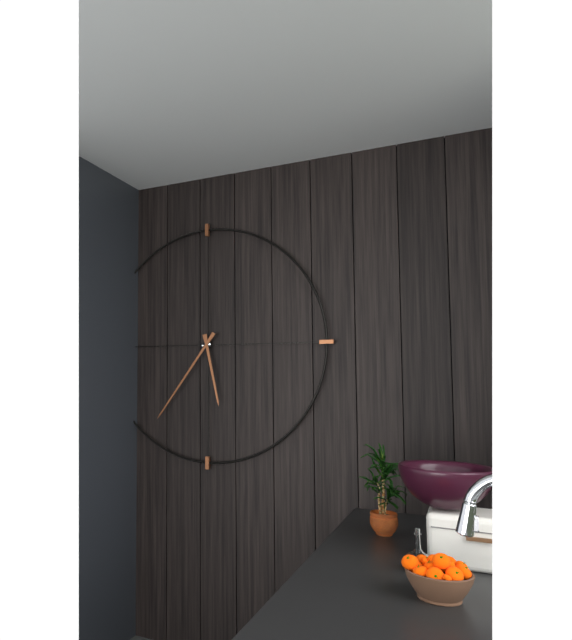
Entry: 5.36
